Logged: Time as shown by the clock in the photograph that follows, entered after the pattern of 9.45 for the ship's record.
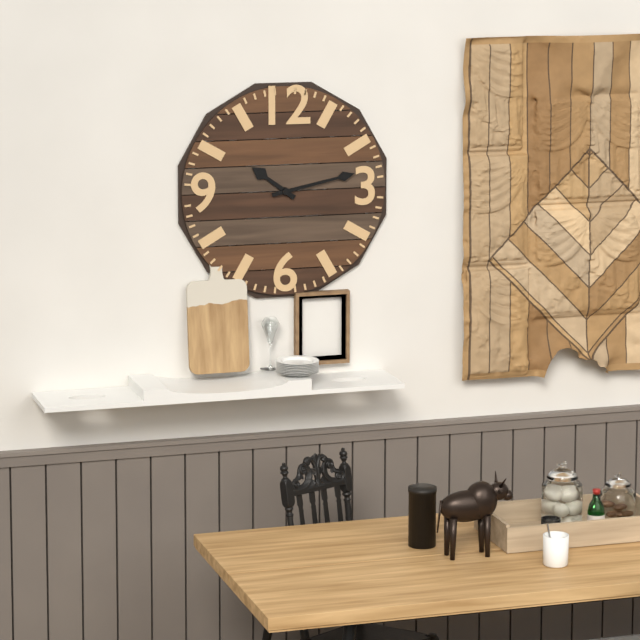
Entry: 10.13
